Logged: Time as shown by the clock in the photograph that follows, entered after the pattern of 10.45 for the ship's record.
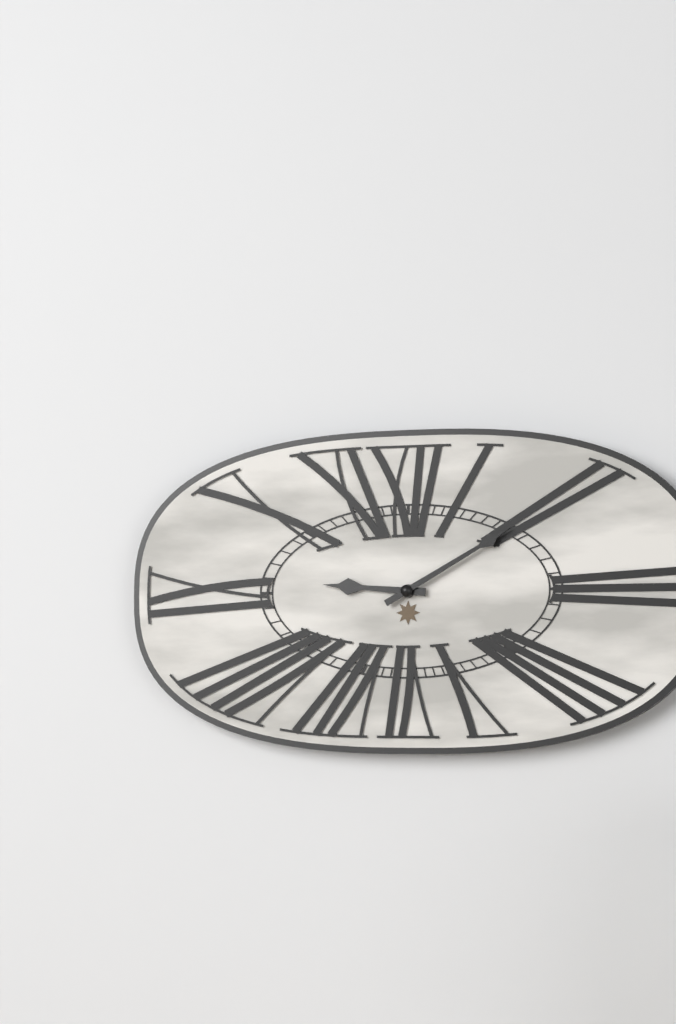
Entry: 9.10
